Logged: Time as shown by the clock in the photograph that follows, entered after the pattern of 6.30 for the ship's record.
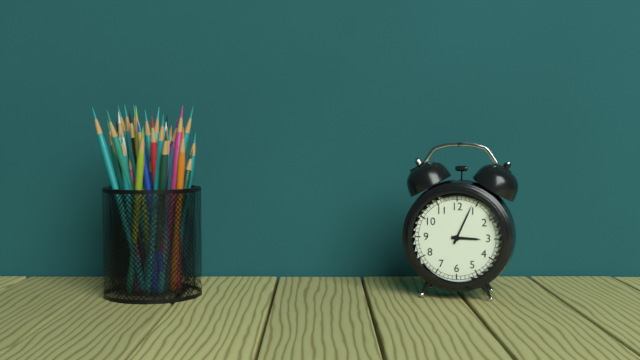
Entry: 3.04
